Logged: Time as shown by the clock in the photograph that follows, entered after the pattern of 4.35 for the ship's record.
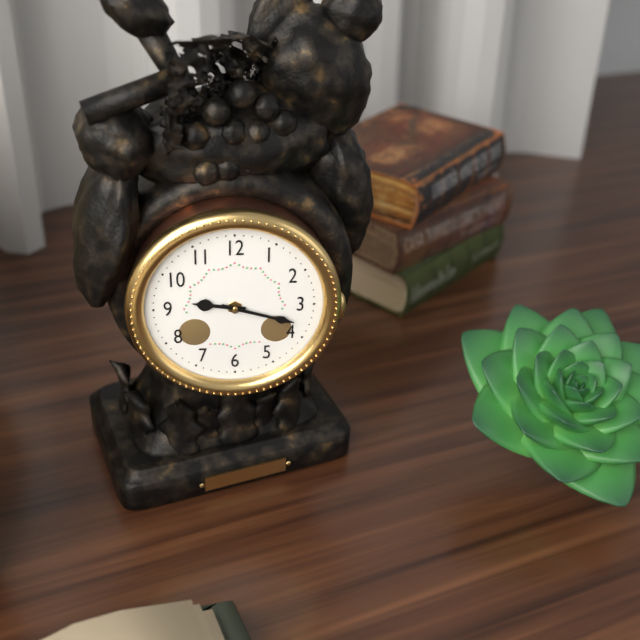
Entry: 9.18
